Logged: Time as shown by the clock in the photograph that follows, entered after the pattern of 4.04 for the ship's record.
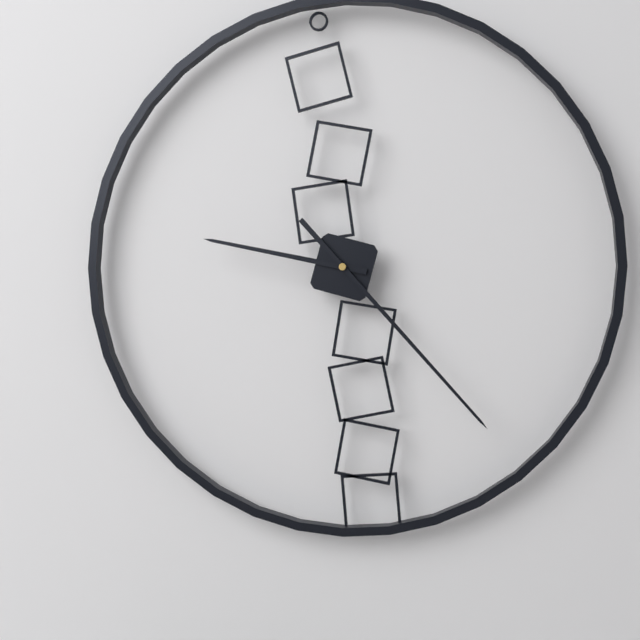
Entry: 9.23
